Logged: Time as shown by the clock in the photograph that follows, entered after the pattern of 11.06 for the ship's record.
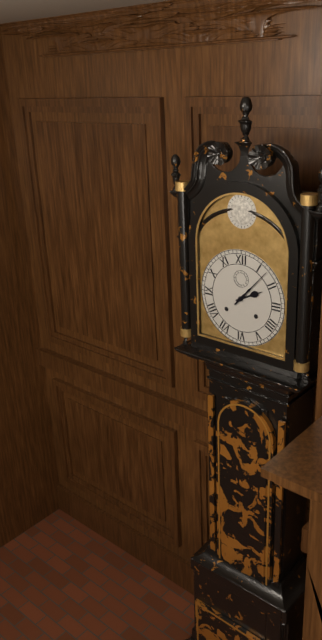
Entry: 2.07
